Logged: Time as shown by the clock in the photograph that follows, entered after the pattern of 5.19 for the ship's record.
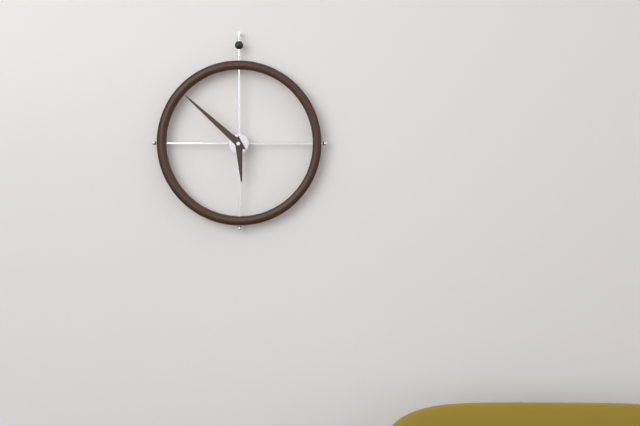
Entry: 5.52
